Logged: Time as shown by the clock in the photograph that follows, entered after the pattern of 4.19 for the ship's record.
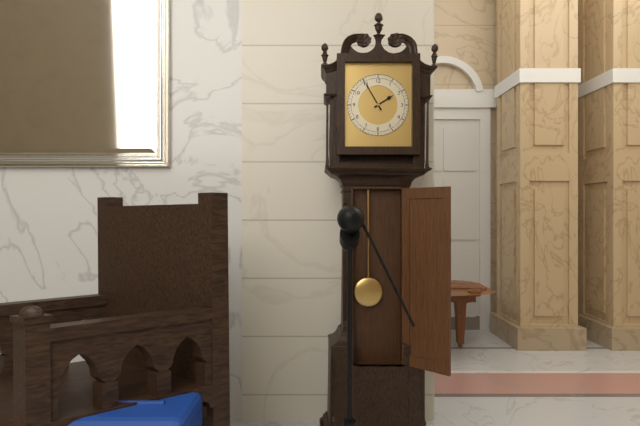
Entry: 1.55
